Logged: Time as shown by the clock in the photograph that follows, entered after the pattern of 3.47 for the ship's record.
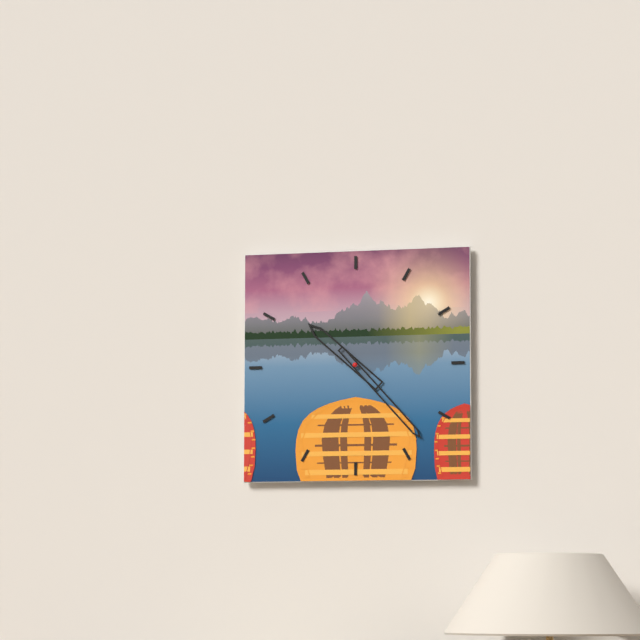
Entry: 10.23
